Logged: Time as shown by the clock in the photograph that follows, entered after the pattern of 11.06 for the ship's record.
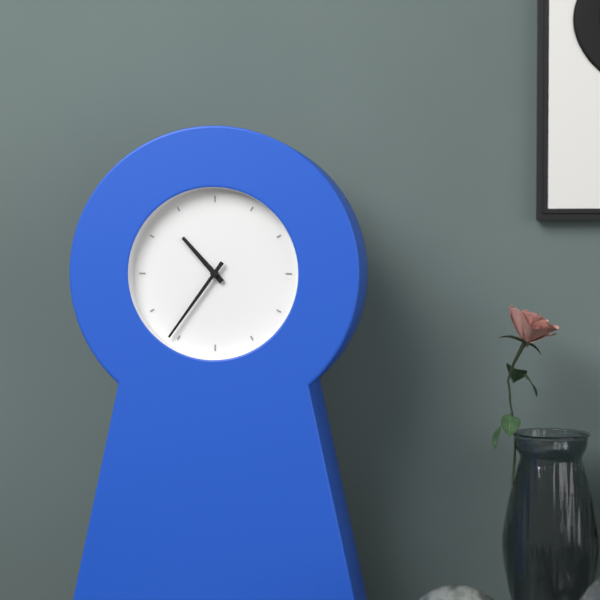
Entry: 10.36
